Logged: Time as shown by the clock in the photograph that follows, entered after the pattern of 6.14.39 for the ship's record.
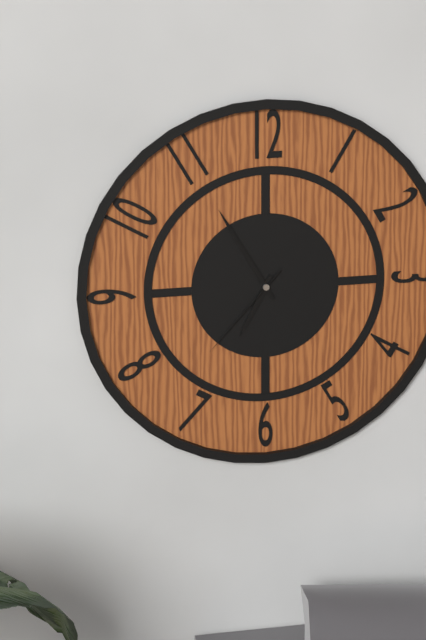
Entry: 6.55.37
